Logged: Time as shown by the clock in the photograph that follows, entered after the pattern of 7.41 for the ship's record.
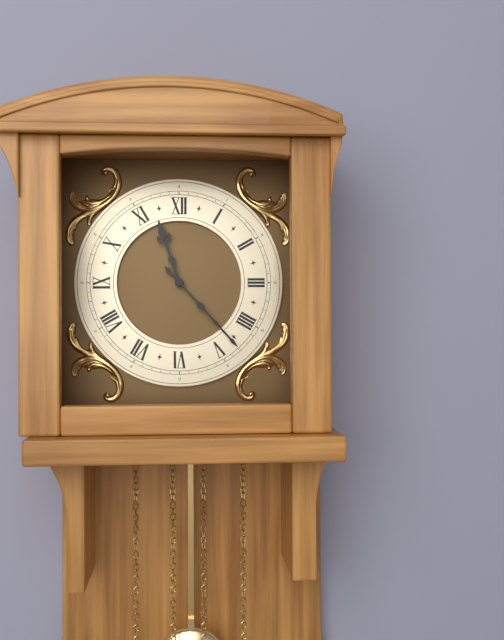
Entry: 11.23
